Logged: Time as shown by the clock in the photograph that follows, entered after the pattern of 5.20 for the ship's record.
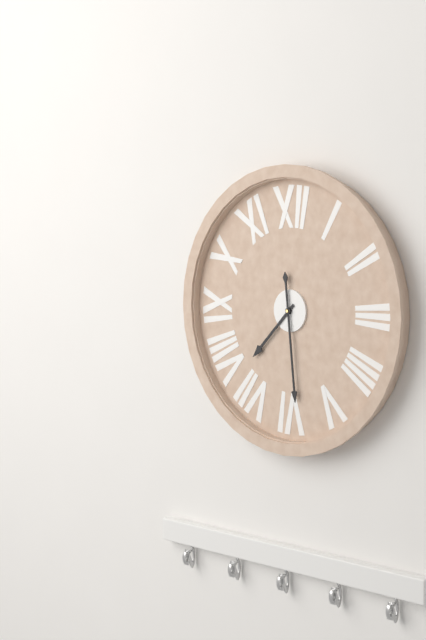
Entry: 7.29
